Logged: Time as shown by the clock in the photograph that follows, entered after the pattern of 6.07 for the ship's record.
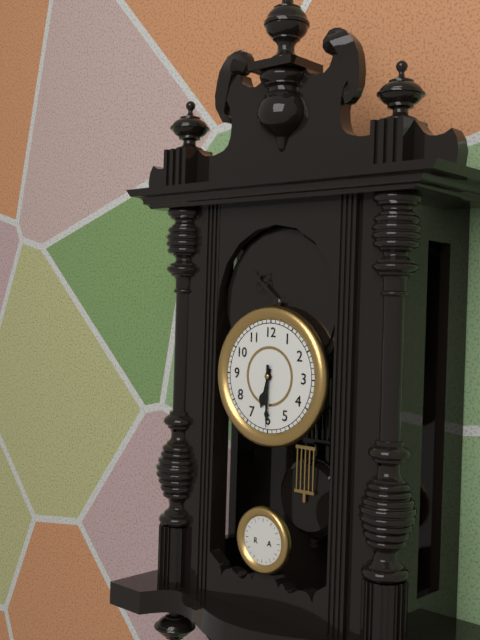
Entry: 6.30
